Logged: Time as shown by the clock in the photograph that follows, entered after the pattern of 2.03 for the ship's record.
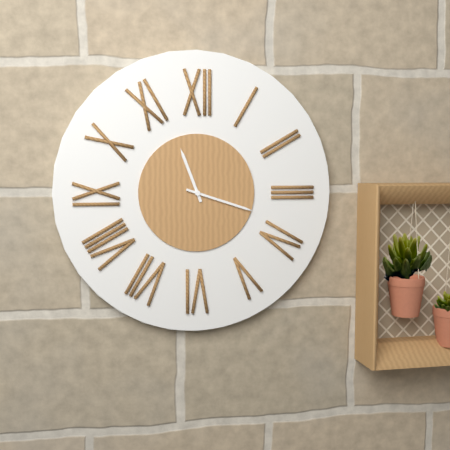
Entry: 11.18
